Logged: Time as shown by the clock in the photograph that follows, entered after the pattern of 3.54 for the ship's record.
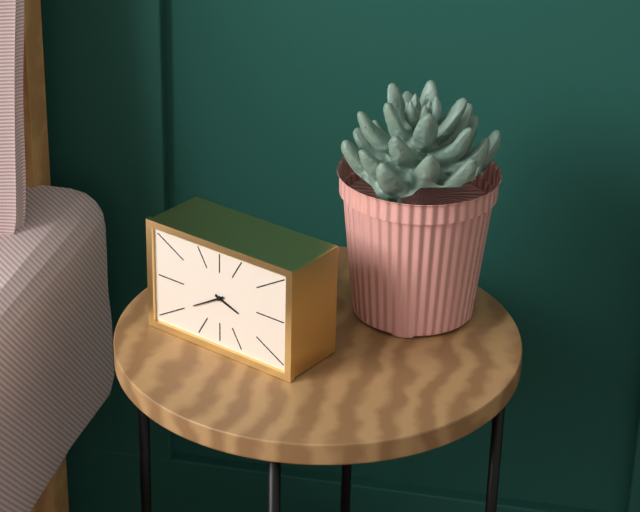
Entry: 3.40
